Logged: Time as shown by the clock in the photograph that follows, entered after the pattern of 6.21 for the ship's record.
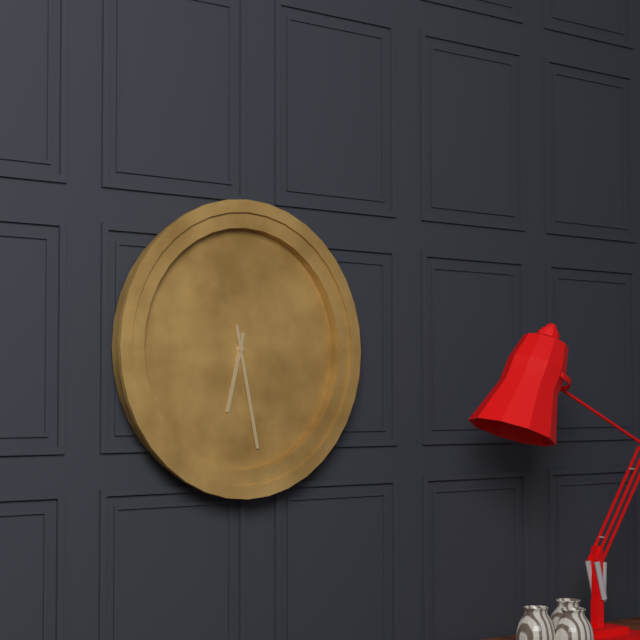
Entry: 6.28
